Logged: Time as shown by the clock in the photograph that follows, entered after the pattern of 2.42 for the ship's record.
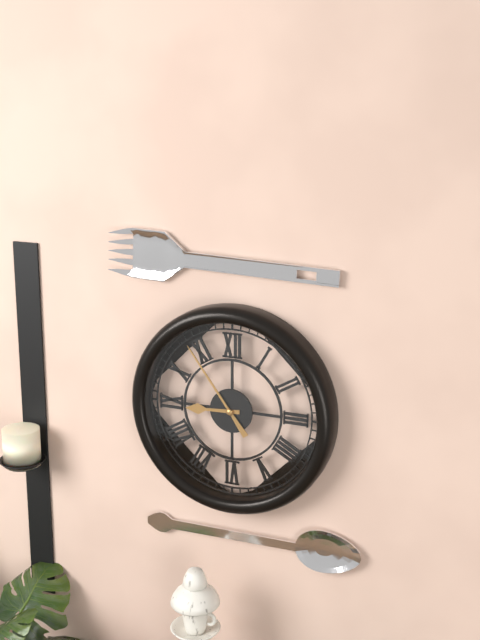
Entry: 8.54
